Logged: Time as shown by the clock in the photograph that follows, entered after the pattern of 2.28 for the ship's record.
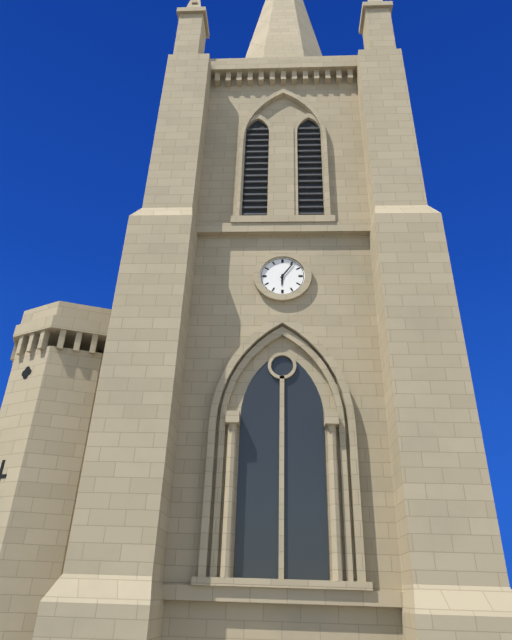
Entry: 6.06
